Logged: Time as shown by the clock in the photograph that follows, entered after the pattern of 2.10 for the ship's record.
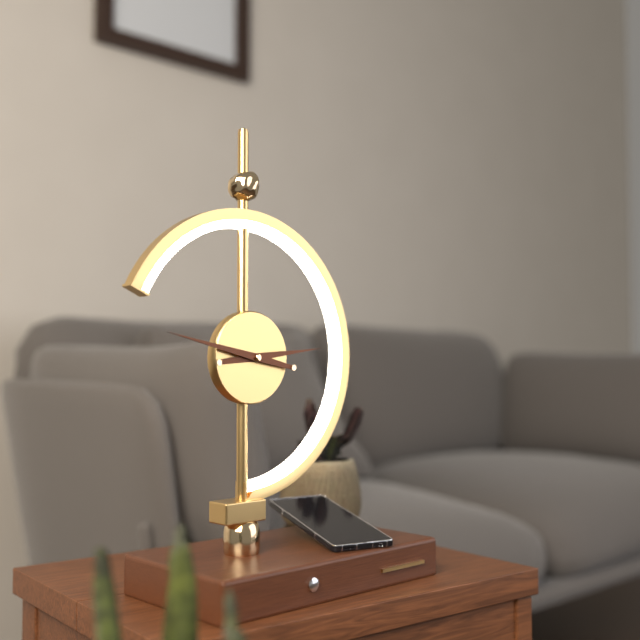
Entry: 2.47
